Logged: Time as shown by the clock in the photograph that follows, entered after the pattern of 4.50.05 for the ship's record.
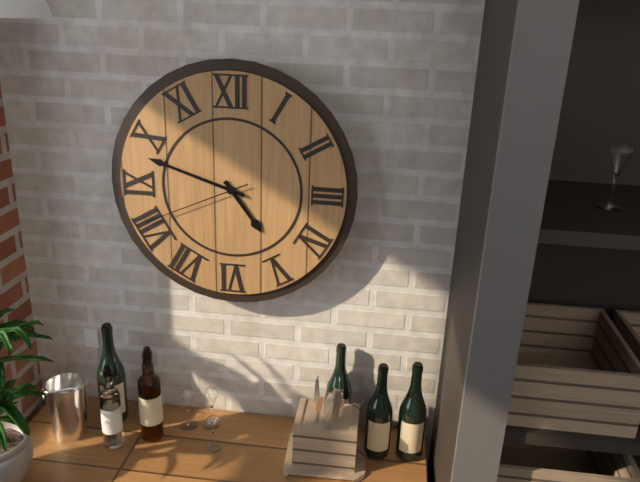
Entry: 4.48.41
